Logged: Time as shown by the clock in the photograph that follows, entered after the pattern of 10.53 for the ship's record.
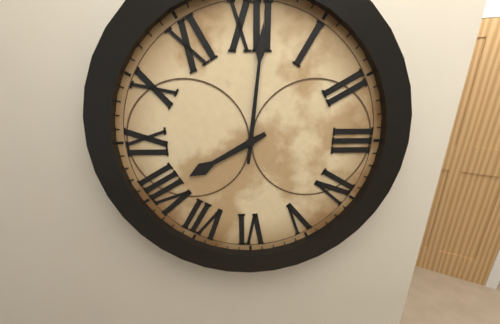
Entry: 8.01
